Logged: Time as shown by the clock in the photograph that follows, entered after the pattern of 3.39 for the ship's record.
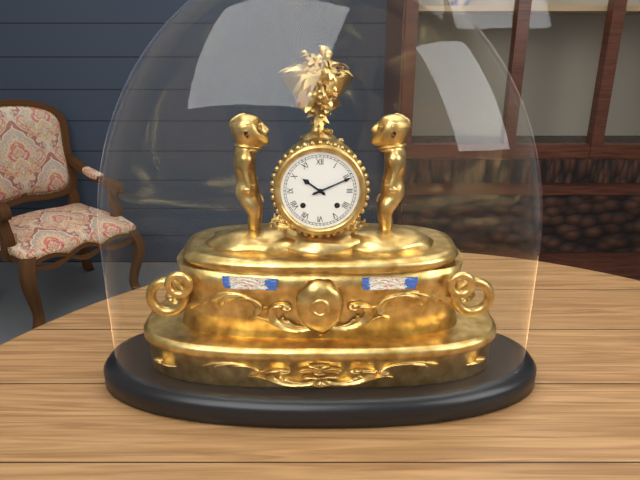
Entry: 10.11
